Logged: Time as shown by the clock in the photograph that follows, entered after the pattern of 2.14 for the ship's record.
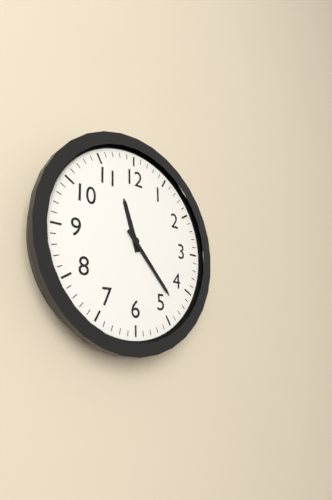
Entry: 11.23
